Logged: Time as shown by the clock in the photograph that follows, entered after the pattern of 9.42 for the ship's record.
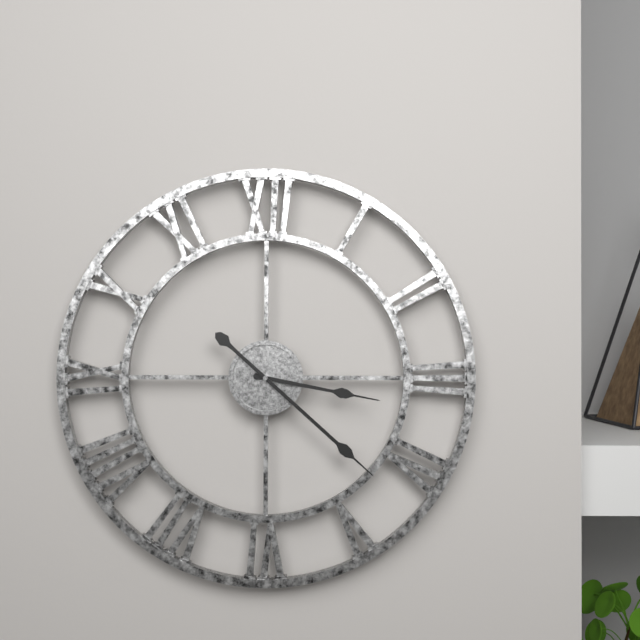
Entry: 3.22
